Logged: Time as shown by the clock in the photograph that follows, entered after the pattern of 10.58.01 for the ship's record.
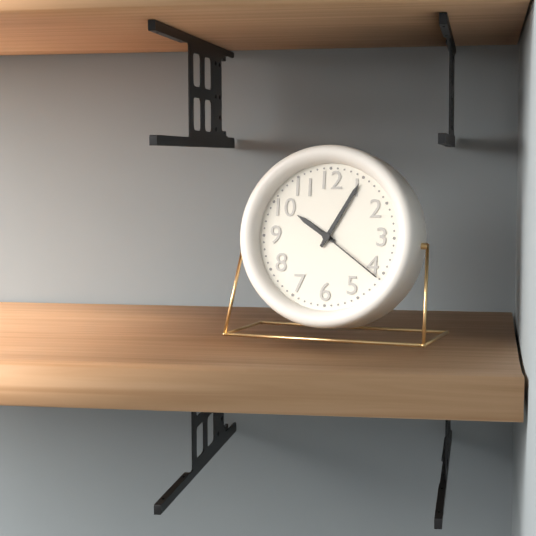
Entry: 10.05.21
